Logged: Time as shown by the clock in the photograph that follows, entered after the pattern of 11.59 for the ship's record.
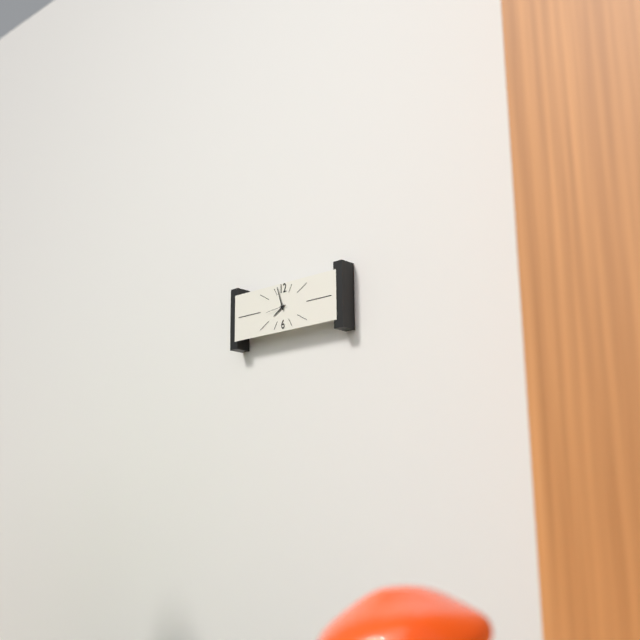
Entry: 7.57
